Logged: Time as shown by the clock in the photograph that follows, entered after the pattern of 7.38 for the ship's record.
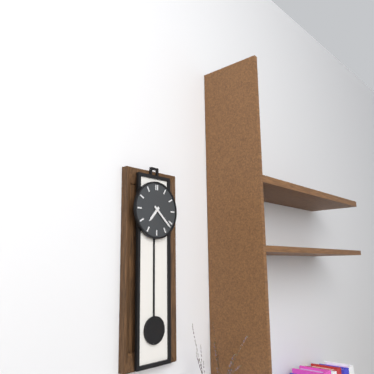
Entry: 7.22
